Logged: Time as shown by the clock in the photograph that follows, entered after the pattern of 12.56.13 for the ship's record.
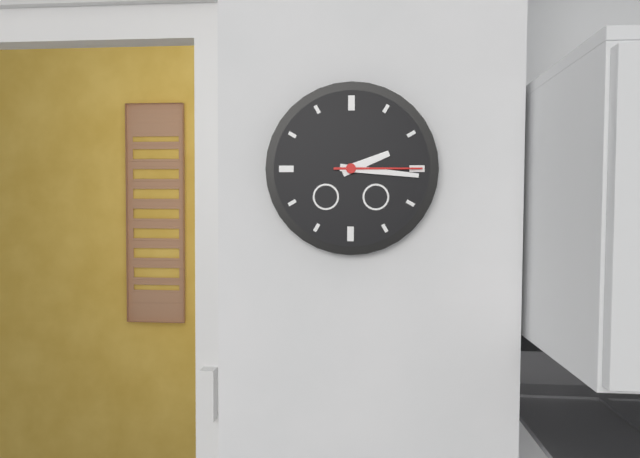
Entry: 2.16.15
